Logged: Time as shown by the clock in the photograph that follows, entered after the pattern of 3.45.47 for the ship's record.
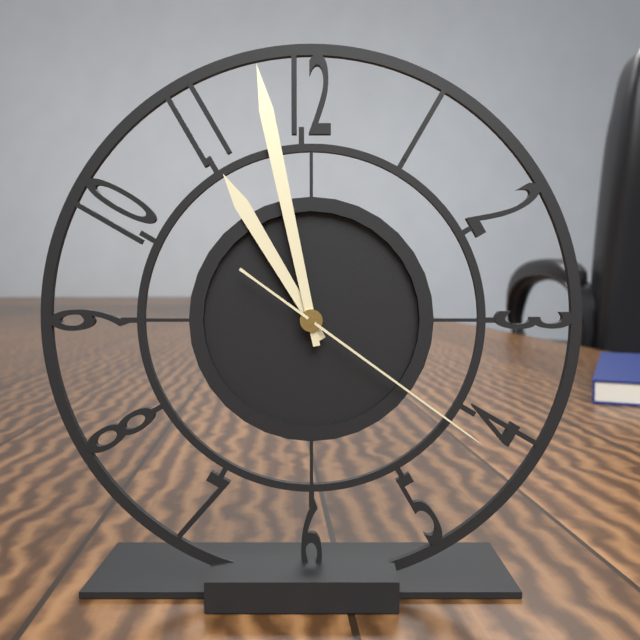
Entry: 10.58.21
